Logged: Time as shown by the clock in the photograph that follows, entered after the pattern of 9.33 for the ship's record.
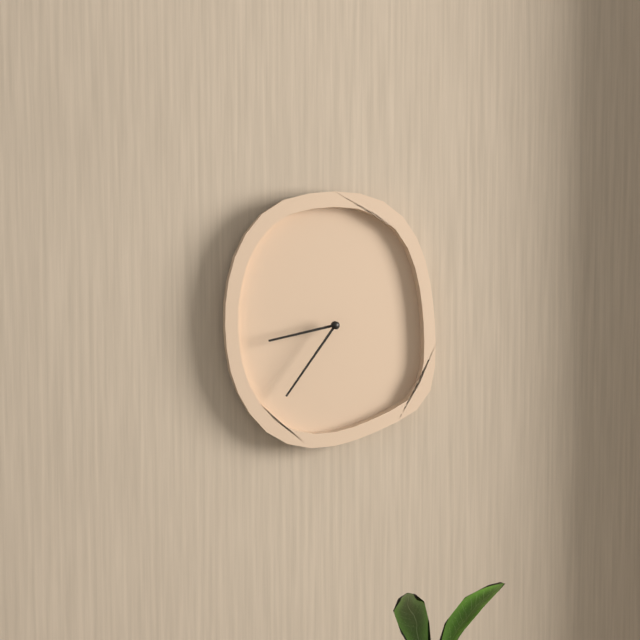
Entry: 8.36
